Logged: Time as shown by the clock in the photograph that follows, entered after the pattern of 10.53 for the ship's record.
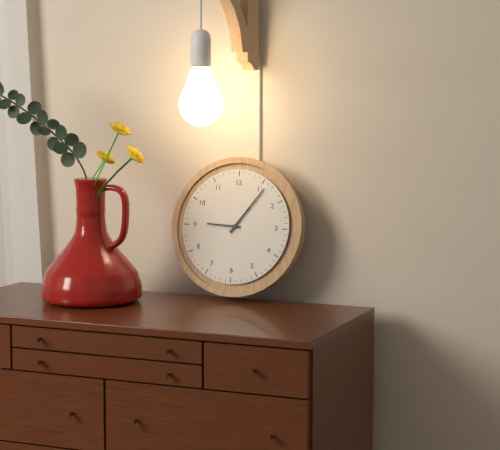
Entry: 9.06
